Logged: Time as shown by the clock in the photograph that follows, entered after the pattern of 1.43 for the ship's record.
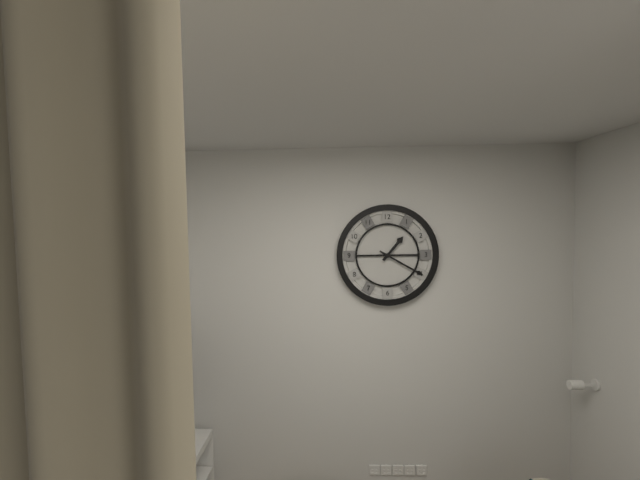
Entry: 1.20
